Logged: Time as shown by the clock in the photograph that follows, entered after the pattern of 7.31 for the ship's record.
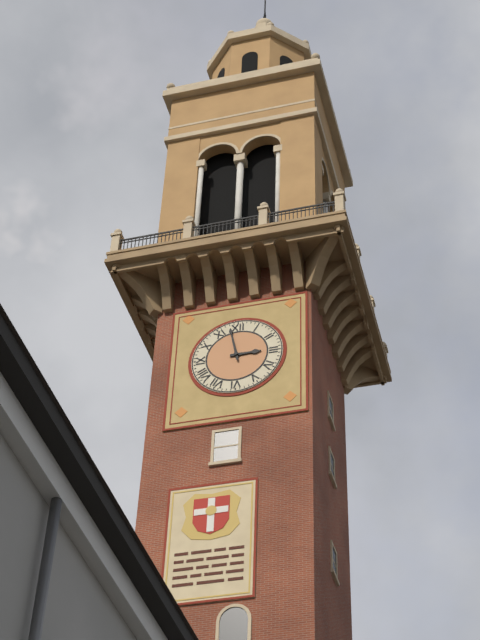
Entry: 2.58
